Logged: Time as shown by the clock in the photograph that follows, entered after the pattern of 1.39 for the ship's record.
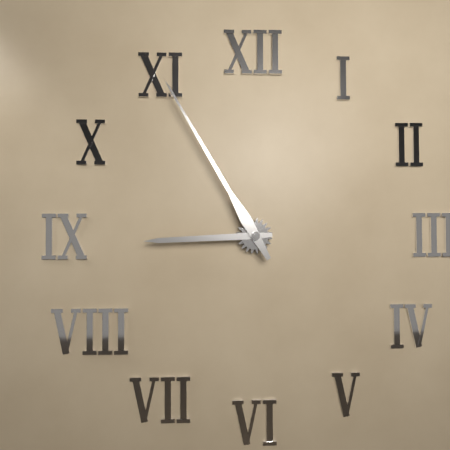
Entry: 8.55
